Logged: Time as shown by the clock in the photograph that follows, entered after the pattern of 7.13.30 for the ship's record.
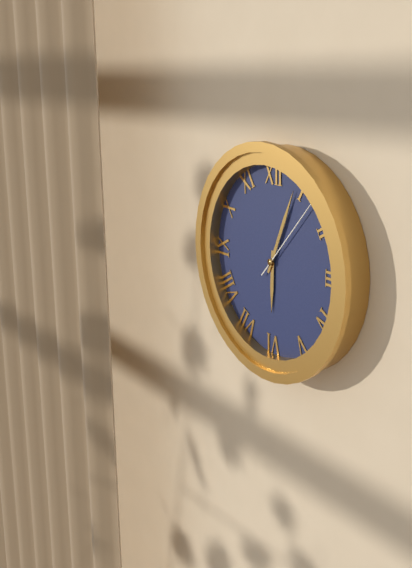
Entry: 6.04.07
